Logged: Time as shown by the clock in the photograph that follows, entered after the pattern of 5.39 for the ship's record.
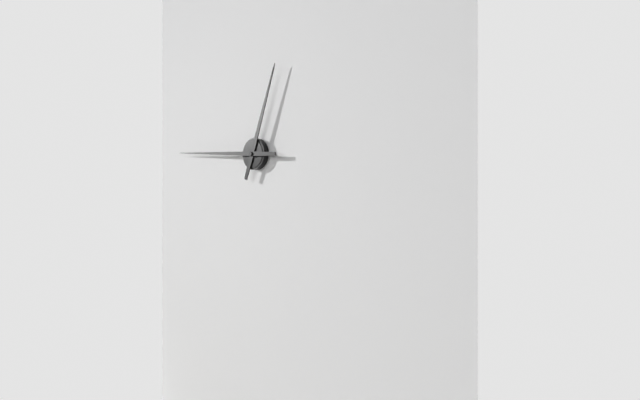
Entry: 12.46
